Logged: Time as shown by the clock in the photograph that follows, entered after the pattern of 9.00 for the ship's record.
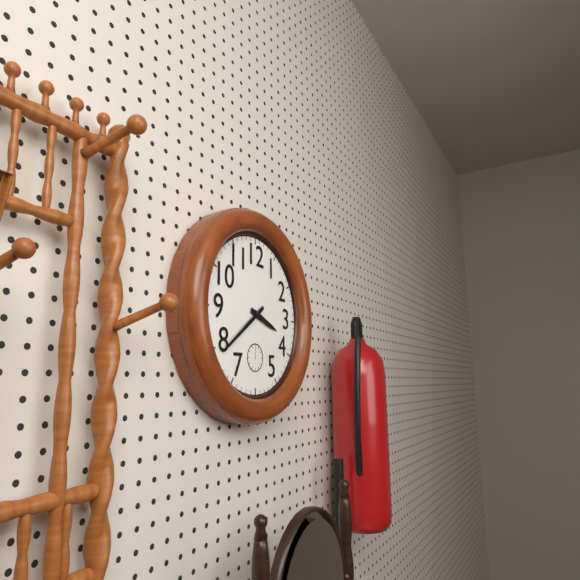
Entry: 3.39
